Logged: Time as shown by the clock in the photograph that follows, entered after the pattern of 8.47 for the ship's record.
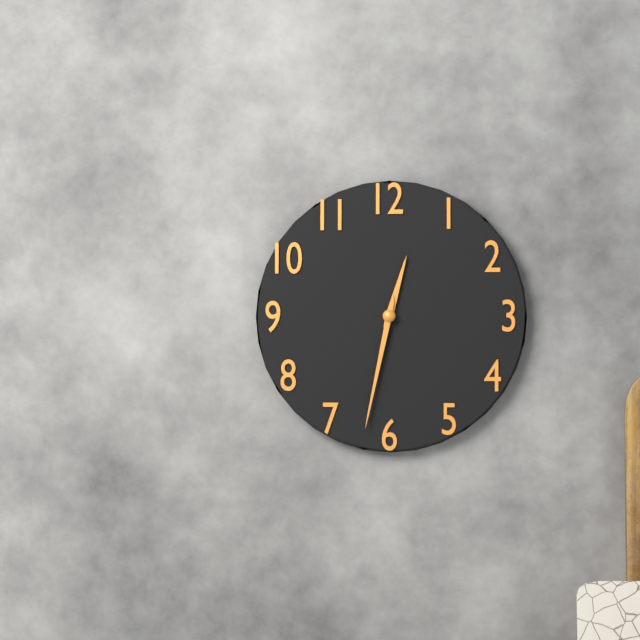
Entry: 12.32
